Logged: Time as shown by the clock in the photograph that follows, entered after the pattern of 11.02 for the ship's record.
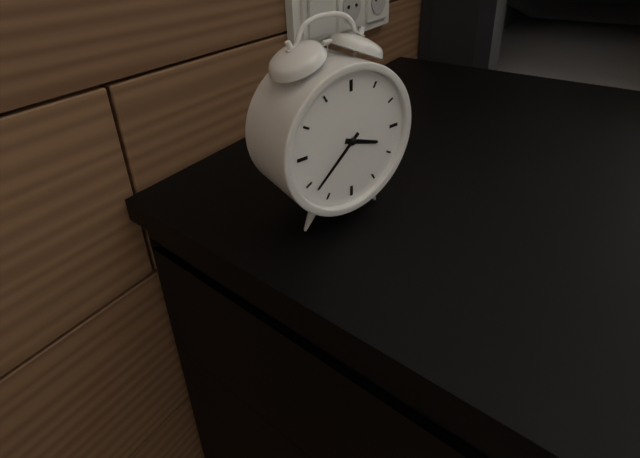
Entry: 3.38
